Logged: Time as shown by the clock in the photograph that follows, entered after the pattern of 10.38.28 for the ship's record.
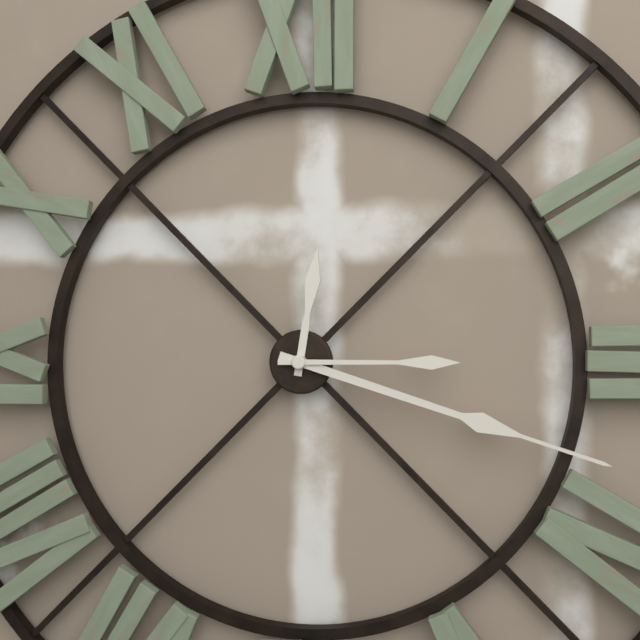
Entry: 12.18.15
